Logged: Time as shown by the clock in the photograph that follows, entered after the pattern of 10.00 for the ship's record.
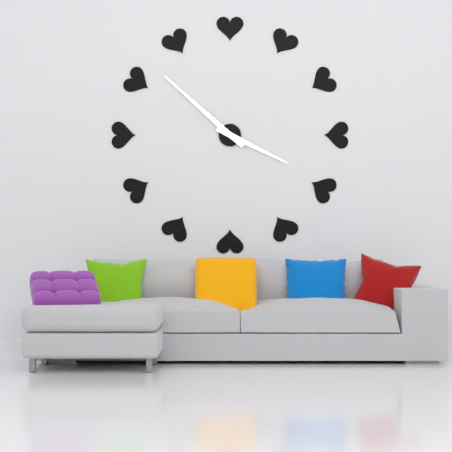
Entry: 3.52
